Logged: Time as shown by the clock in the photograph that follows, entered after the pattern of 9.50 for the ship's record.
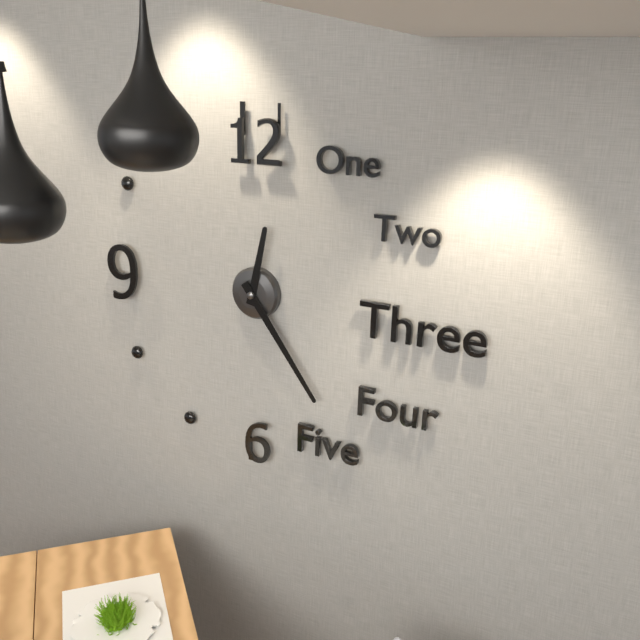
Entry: 12.24
